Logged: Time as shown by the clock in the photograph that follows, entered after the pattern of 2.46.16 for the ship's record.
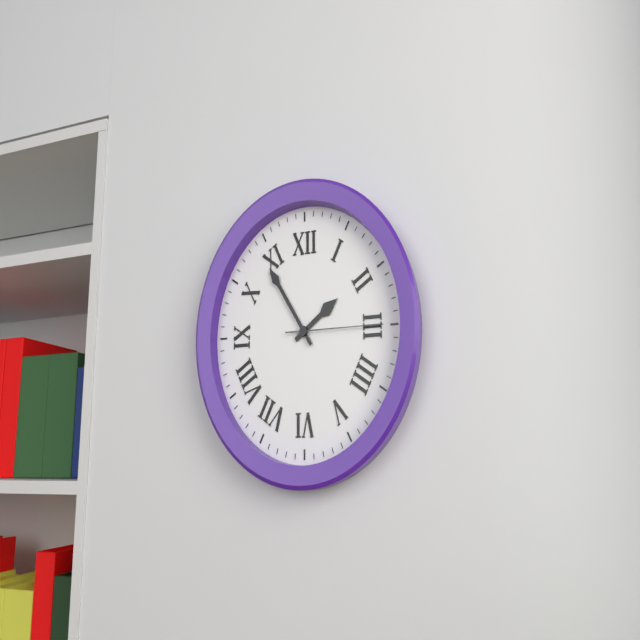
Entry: 1.54.15
